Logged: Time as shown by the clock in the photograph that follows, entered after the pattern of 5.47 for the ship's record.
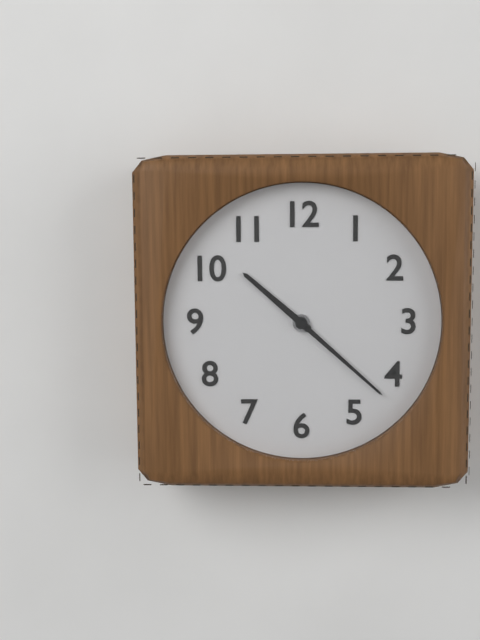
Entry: 10.22
